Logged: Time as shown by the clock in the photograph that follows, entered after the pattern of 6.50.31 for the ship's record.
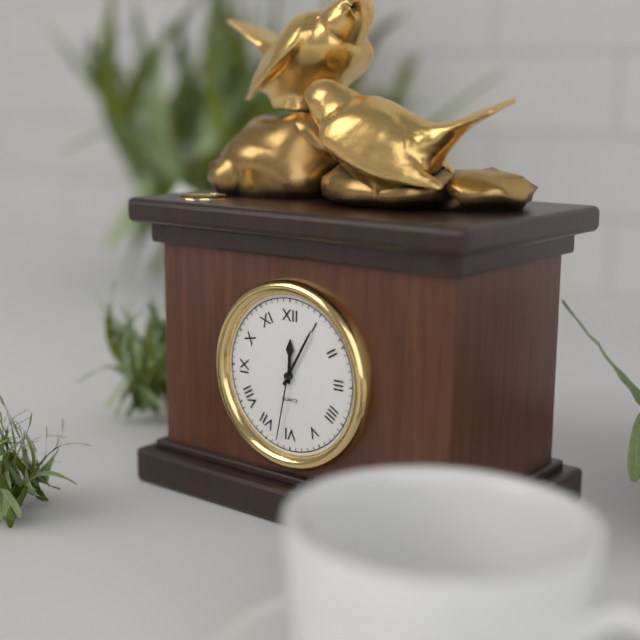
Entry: 12.05.32
